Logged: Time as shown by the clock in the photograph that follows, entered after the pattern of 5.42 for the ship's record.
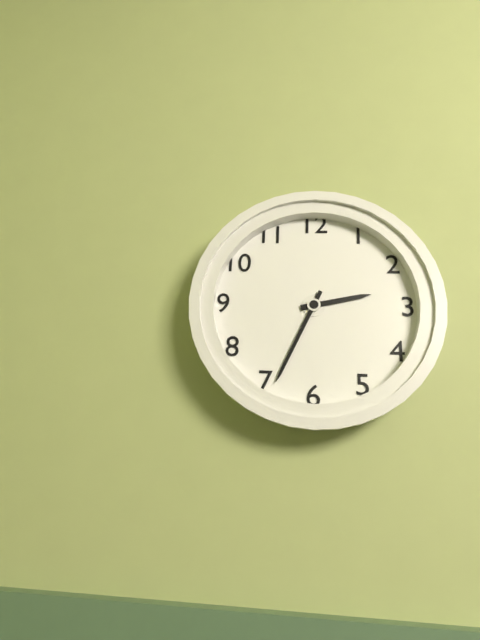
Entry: 2.34
